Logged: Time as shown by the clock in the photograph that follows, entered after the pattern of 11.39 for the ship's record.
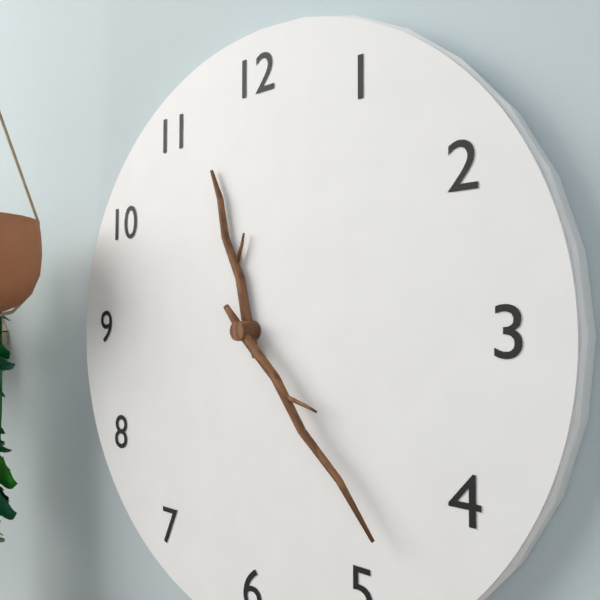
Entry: 11.23
